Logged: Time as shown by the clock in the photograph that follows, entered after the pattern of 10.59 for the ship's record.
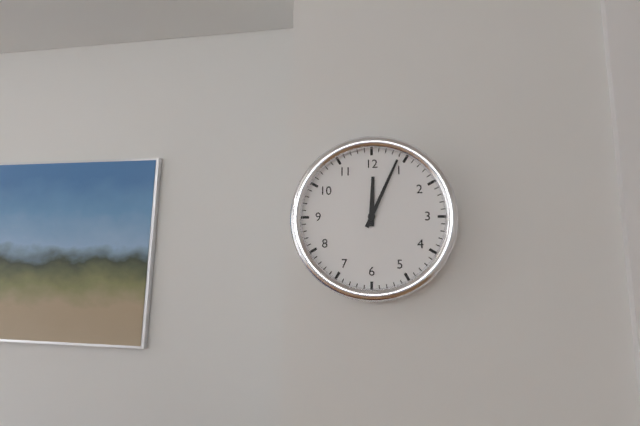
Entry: 12.04
